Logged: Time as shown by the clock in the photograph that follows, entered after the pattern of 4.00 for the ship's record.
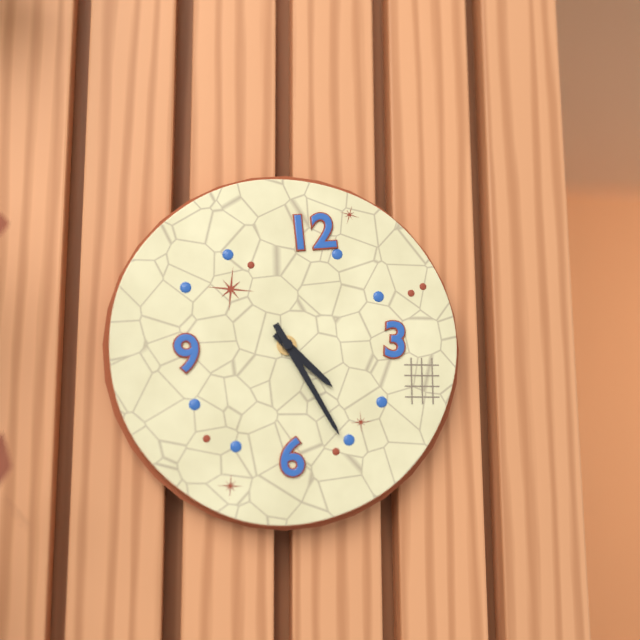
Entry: 4.25
